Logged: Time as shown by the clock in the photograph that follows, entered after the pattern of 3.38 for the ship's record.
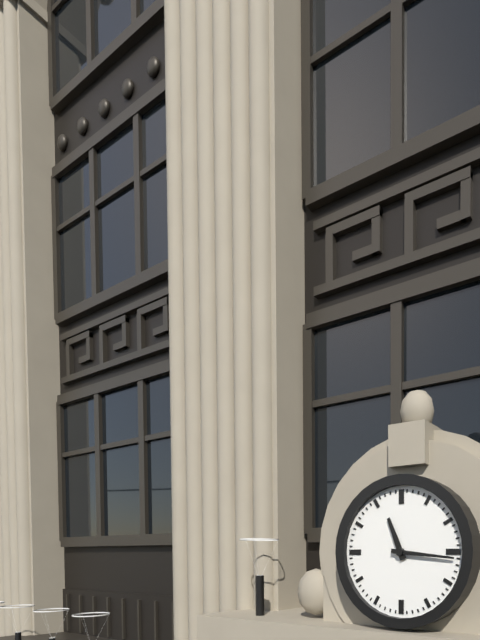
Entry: 11.16
